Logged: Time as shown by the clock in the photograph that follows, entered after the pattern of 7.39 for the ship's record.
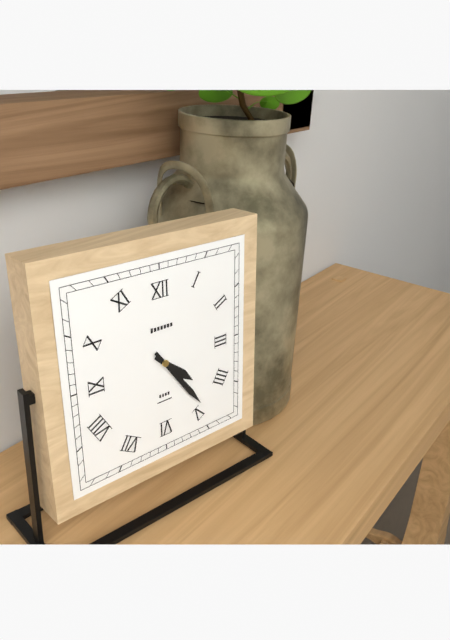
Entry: 4.24
